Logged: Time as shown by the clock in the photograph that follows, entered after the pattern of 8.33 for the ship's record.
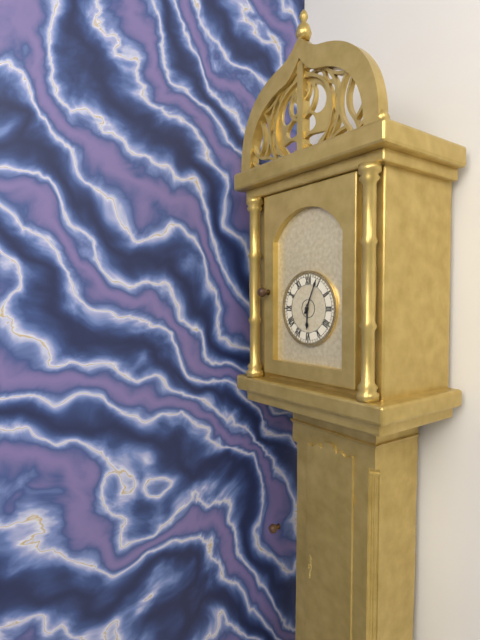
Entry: 6.04
